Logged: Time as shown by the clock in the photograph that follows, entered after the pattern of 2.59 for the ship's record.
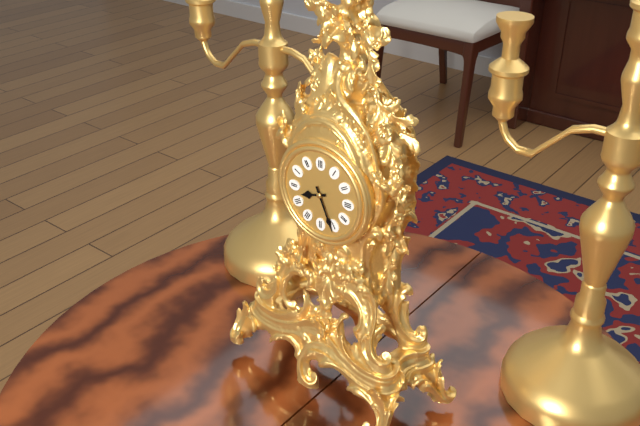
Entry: 8.26
